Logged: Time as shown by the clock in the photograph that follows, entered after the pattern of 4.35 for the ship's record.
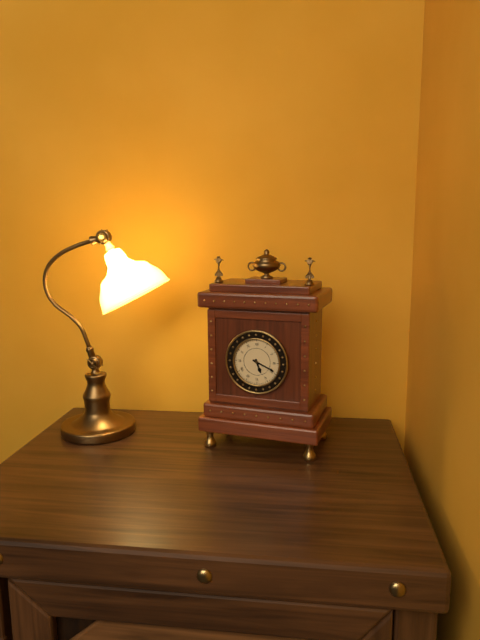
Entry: 5.19
